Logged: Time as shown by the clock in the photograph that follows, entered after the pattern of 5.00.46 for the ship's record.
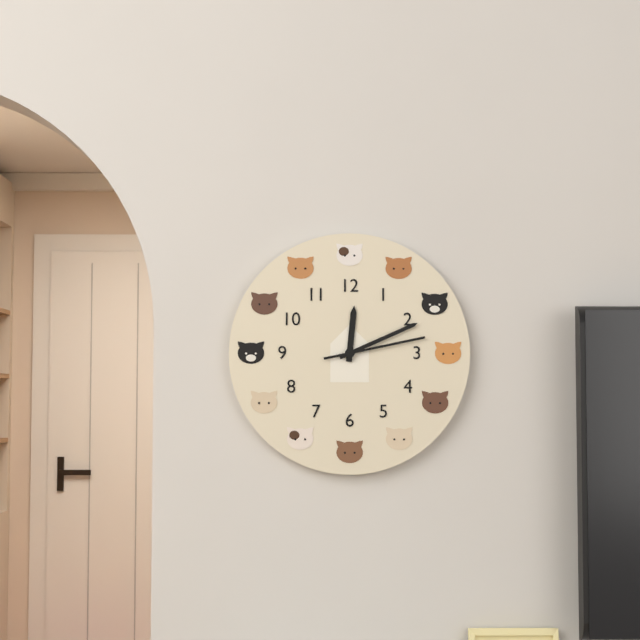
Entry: 12.11.13
